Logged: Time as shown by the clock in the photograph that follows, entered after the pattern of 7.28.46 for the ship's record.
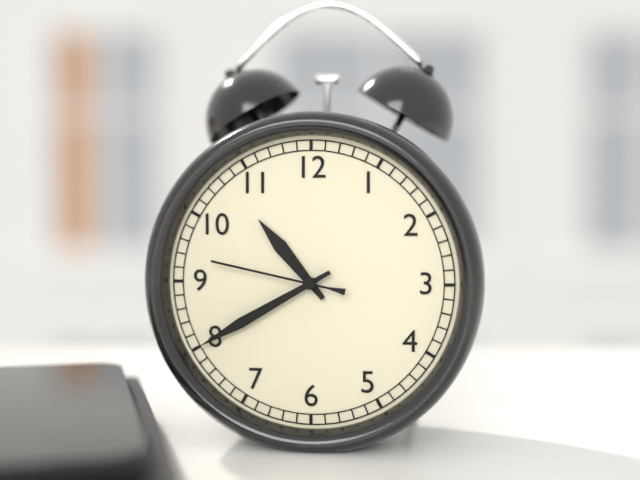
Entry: 10.40.47
